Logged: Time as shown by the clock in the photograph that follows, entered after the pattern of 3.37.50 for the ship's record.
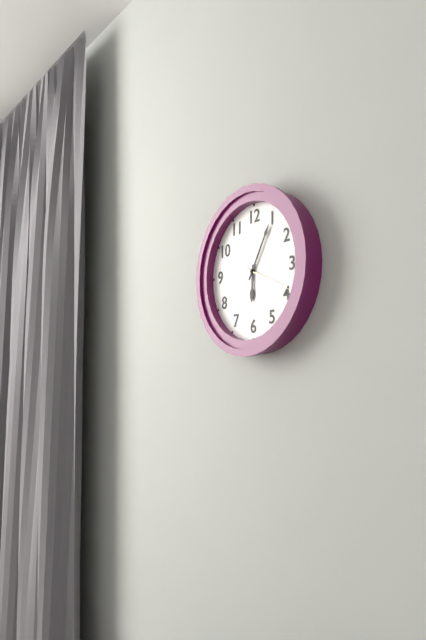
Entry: 6.05.19
